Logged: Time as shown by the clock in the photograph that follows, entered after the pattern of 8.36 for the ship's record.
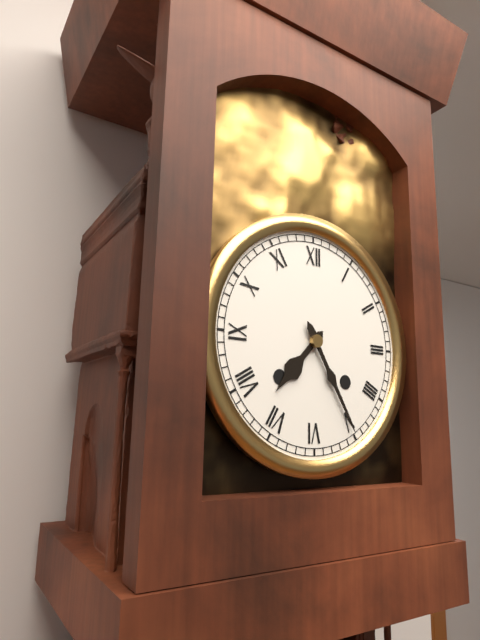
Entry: 7.25
